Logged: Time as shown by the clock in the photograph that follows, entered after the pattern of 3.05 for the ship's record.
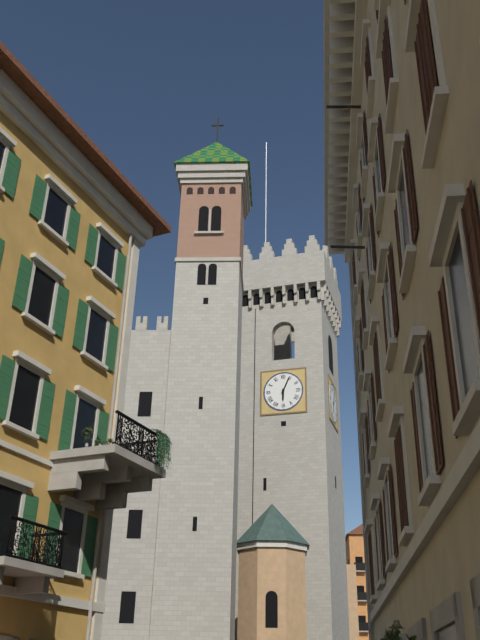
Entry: 6.04
